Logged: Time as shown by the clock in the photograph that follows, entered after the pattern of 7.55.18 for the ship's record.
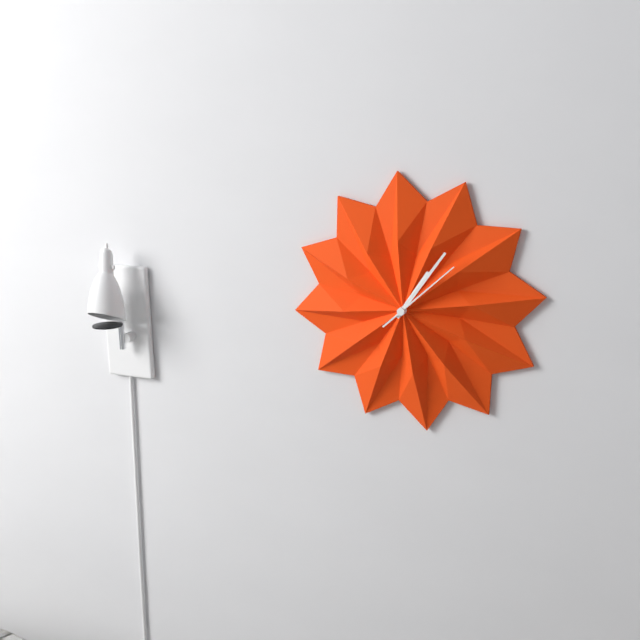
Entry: 1.06.08
